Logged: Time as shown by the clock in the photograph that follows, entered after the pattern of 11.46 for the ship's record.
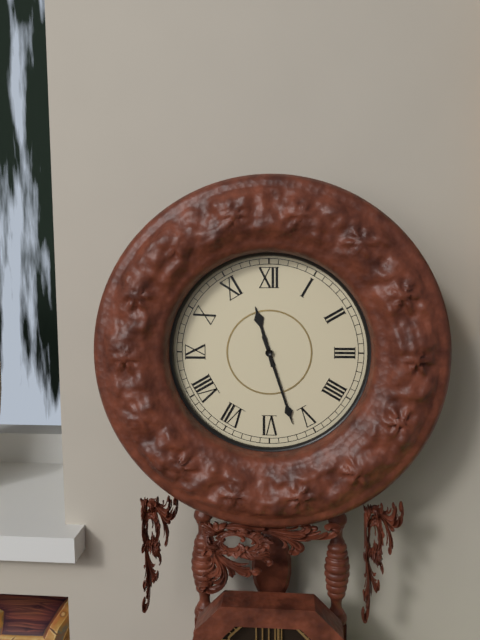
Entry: 11.27
